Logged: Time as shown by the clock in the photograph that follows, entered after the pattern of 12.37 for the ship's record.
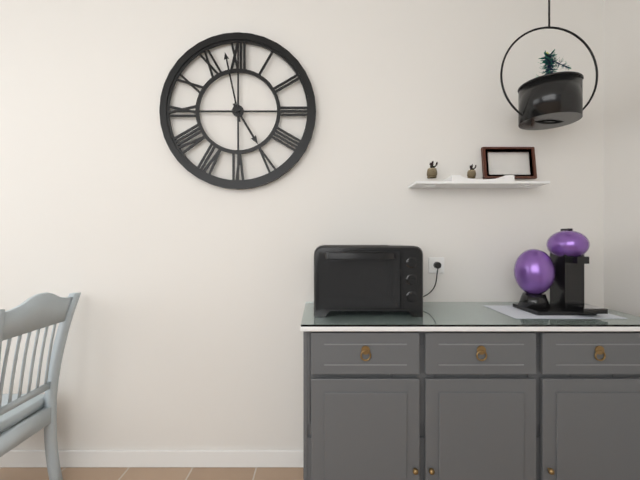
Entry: 4.58
